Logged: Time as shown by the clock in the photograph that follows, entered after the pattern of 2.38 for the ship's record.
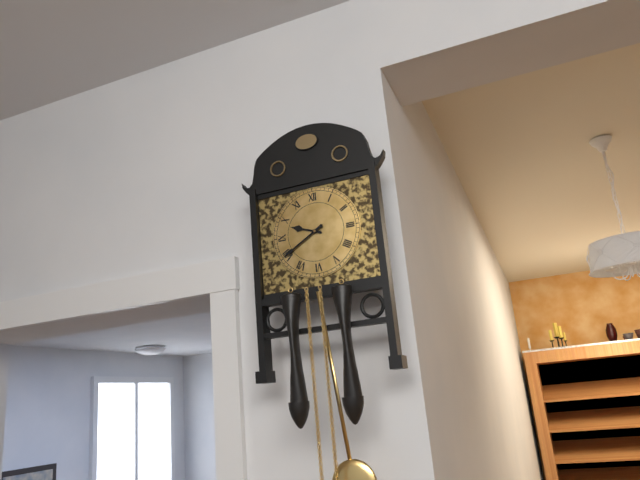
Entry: 9.40
